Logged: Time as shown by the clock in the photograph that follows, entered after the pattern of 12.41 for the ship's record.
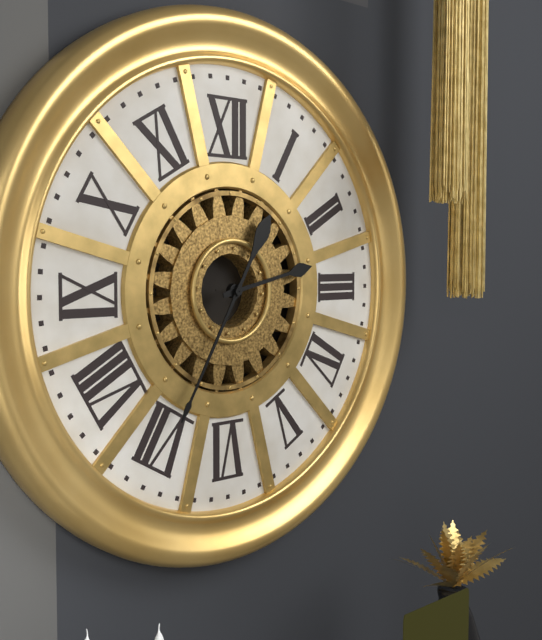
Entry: 2.35
